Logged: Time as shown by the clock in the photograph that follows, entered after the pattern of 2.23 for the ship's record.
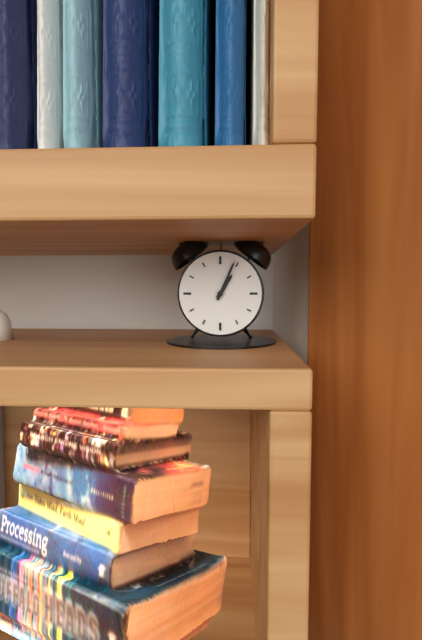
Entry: 1.04
